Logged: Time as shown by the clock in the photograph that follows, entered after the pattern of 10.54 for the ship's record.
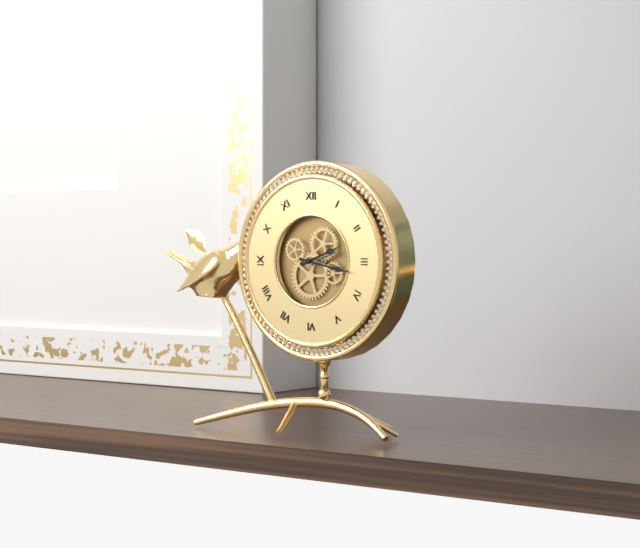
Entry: 2.17
